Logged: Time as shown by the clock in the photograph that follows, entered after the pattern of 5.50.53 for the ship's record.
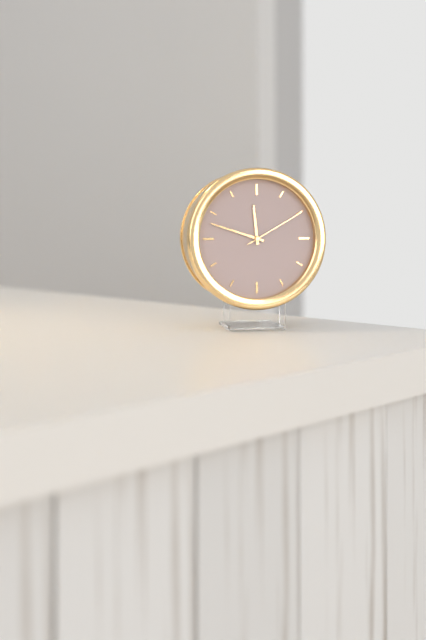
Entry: 11.48.10
